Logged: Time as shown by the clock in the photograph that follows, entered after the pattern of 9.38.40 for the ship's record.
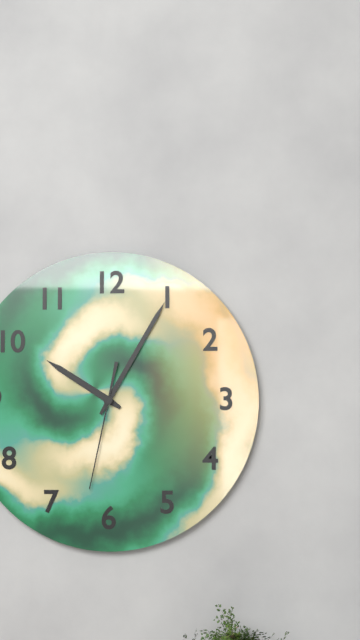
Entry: 10.05.32
